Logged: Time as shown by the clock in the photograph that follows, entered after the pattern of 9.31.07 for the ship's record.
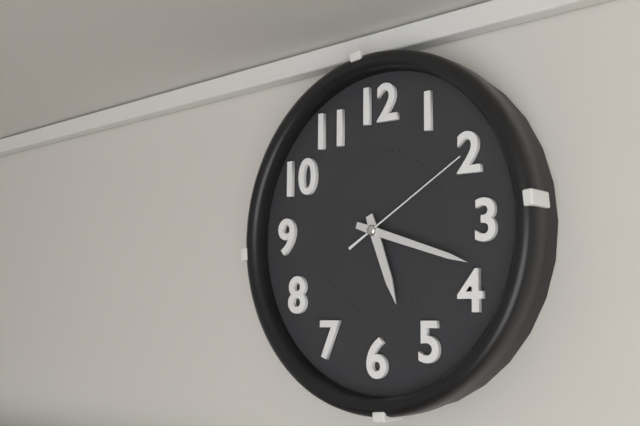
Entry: 5.18.10
